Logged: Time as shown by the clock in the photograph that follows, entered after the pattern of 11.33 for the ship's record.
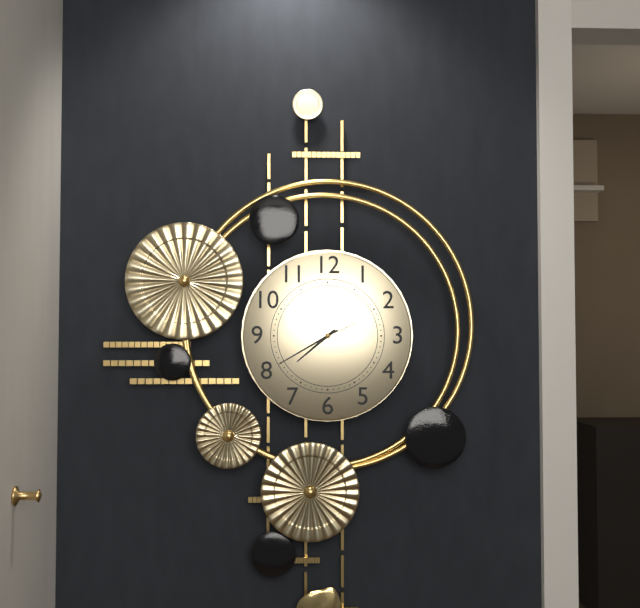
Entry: 7.40
